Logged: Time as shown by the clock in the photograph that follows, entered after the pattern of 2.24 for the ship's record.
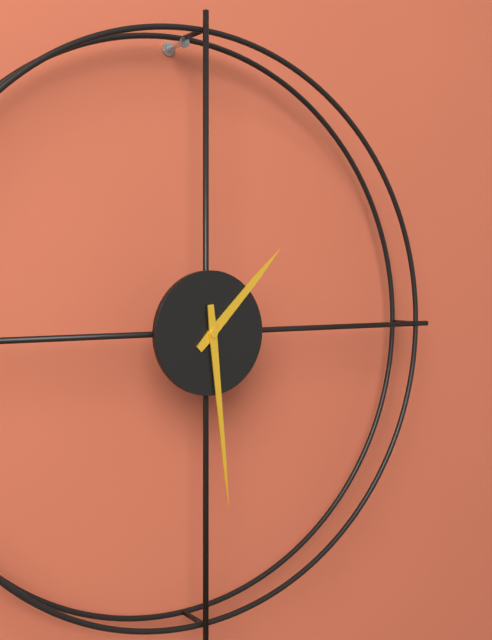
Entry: 1.29
